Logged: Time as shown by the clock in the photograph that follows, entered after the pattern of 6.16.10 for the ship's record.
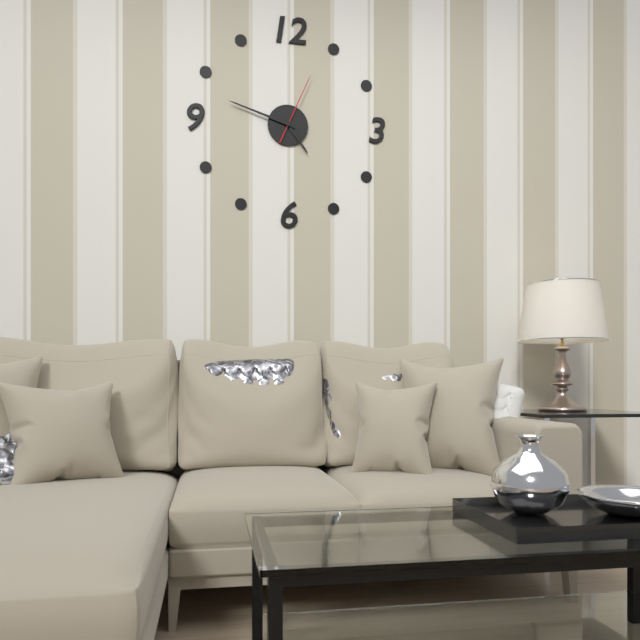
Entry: 4.48.04
